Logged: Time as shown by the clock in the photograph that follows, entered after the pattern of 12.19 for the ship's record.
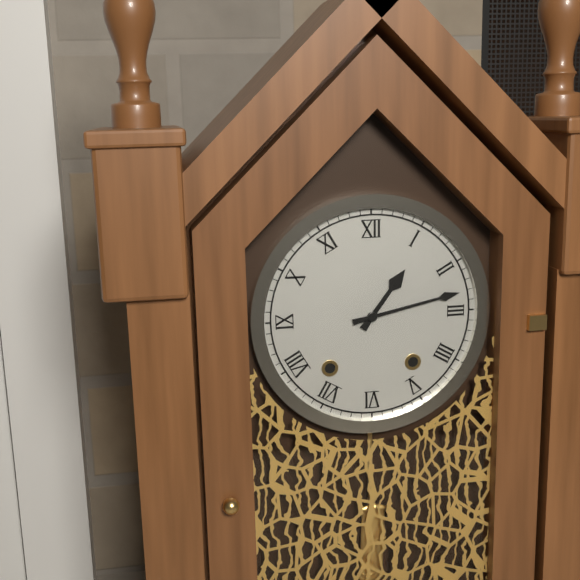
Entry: 1.13
